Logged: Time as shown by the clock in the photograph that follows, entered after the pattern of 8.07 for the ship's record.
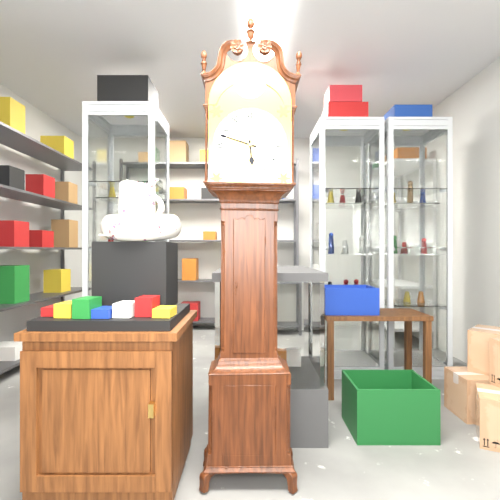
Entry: 5.48
